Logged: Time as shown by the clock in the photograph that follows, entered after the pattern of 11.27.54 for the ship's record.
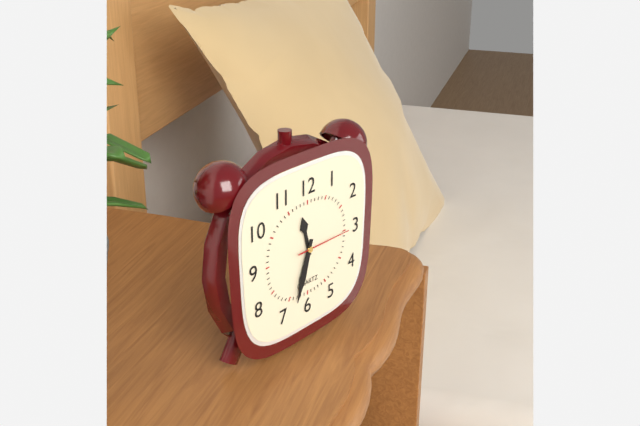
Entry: 11.33.15
